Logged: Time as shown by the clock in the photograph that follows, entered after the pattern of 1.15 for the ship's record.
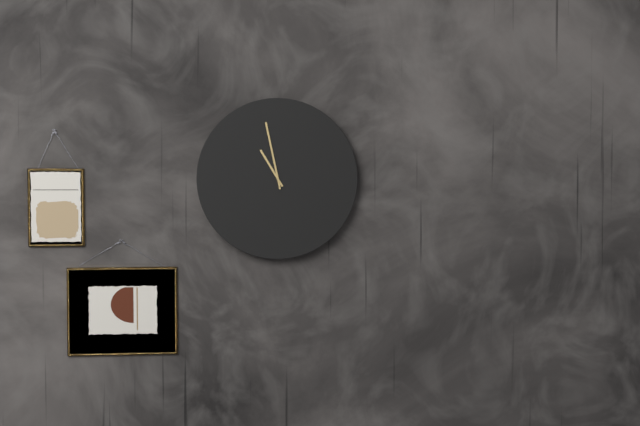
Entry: 10.58
